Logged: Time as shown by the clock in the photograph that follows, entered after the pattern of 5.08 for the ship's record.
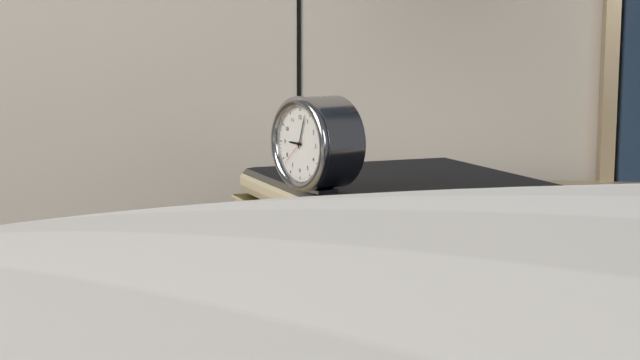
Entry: 9.03
